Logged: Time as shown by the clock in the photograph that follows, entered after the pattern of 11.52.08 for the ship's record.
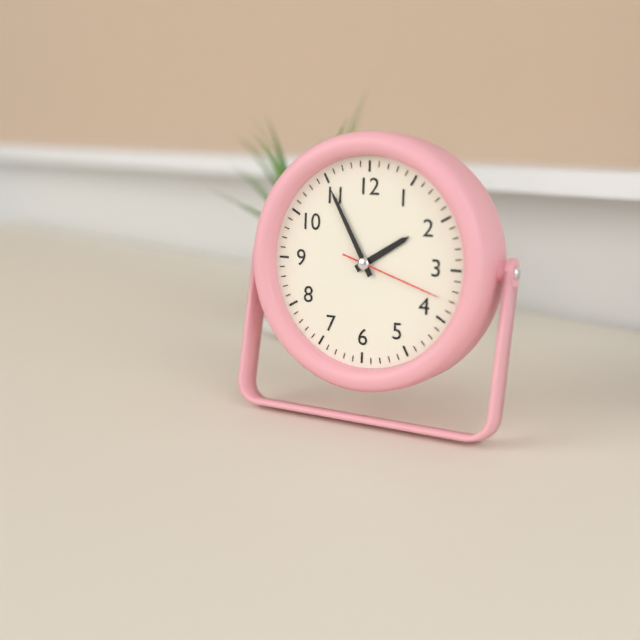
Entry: 1.55.18
